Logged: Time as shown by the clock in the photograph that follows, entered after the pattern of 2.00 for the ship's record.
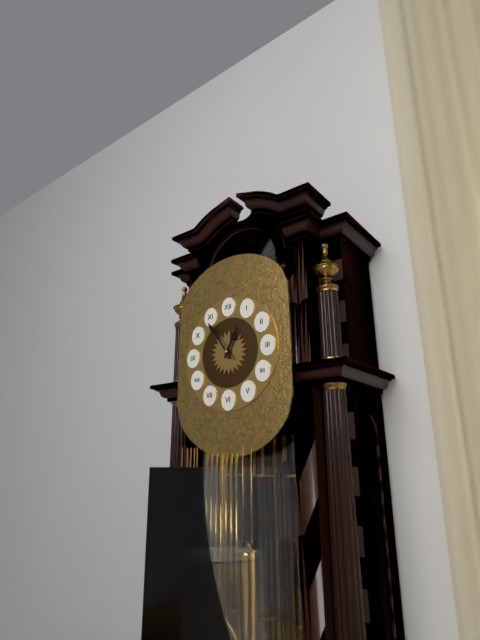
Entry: 12.54
